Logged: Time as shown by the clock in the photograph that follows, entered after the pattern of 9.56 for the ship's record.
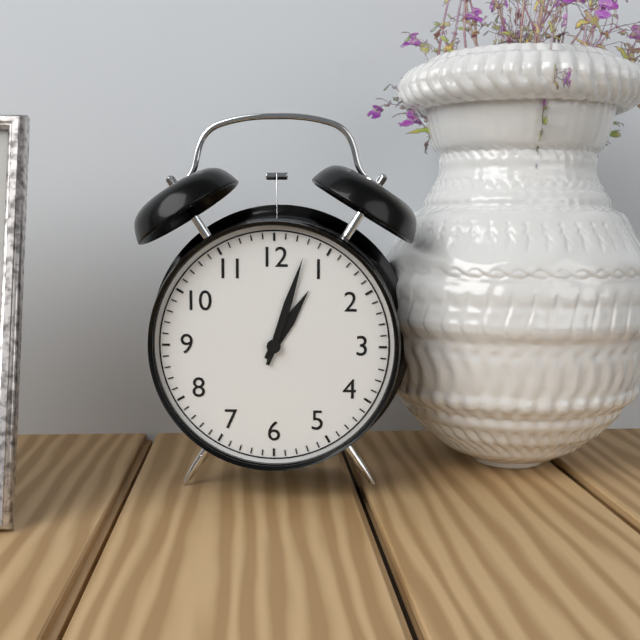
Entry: 1.03
